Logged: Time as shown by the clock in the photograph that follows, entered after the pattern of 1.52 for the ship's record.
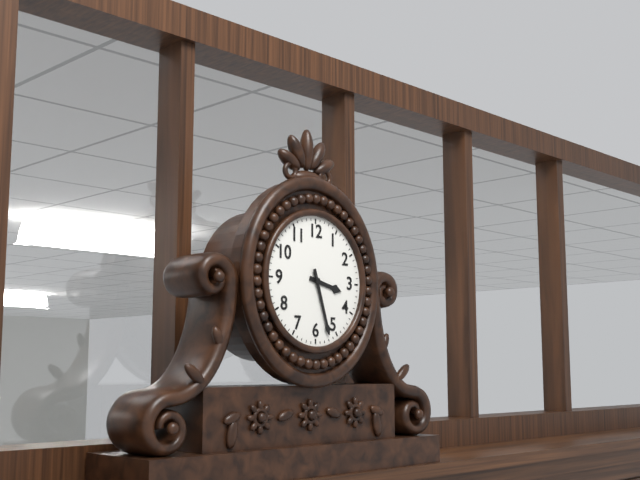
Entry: 3.27
